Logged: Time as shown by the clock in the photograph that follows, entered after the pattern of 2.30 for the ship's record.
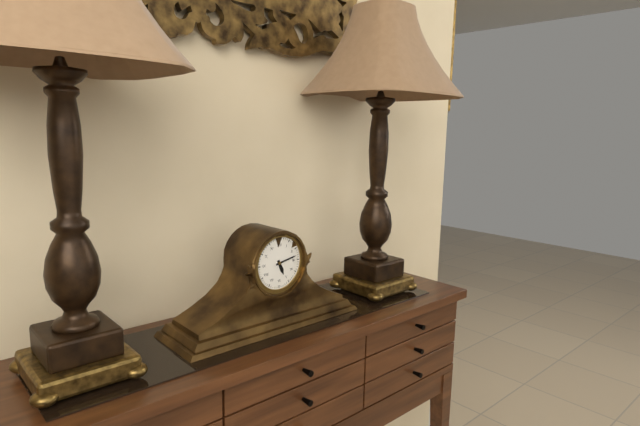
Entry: 5.13
